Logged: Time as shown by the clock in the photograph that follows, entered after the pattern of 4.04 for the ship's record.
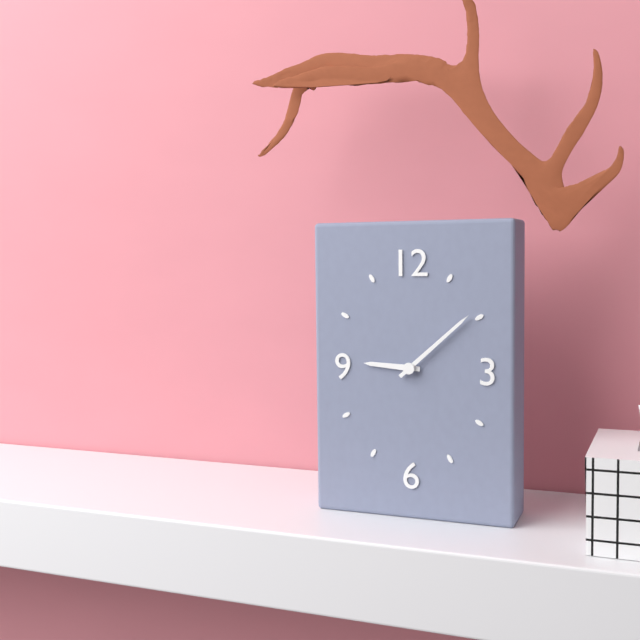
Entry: 9.08
